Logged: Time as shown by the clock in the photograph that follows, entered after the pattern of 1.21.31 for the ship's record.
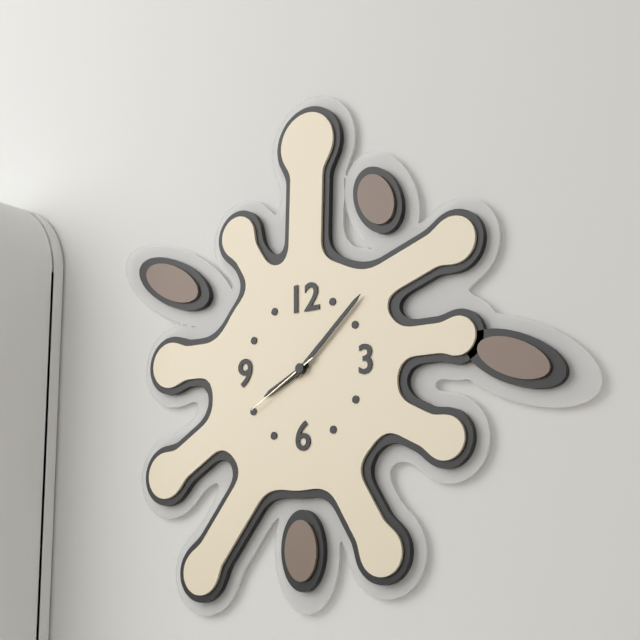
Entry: 8.08.40
